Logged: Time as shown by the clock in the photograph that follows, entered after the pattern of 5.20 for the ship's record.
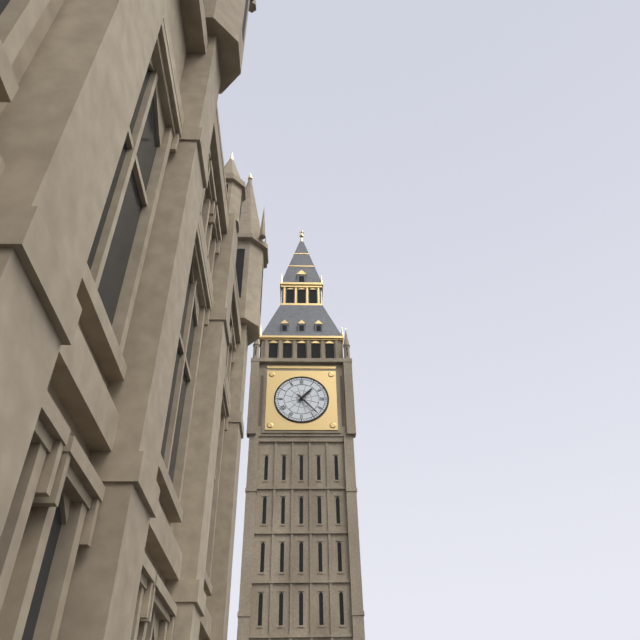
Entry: 1.23
